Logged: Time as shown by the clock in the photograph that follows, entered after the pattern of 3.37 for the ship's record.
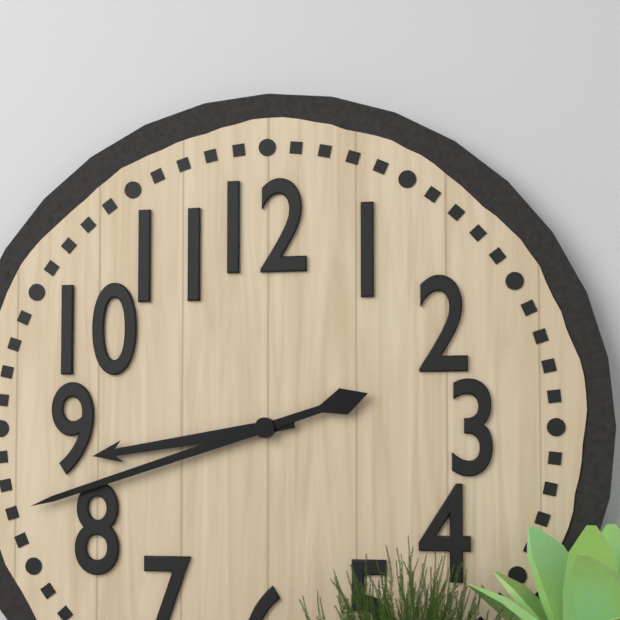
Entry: 8.42
